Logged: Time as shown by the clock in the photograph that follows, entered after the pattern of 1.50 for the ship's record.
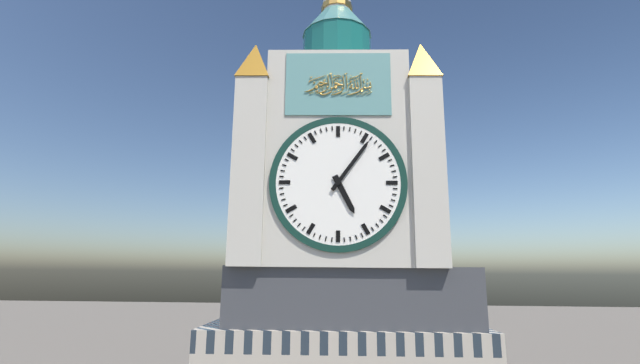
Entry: 5.06
